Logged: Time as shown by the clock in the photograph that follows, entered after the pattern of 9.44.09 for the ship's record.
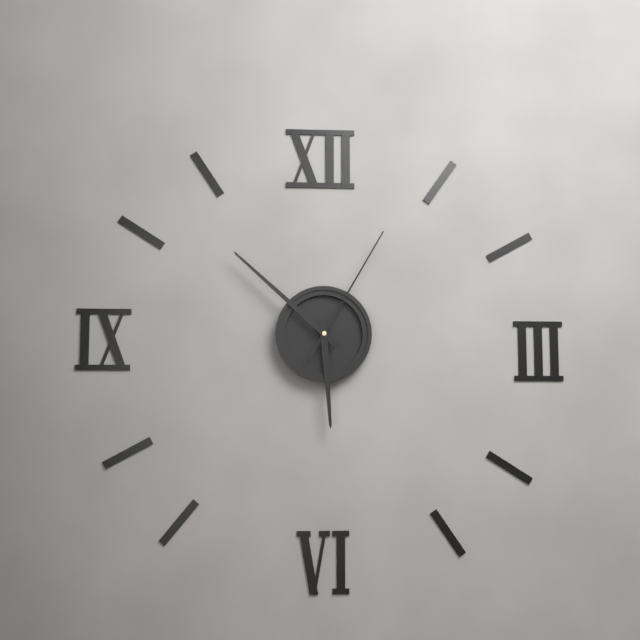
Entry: 5.52.05
